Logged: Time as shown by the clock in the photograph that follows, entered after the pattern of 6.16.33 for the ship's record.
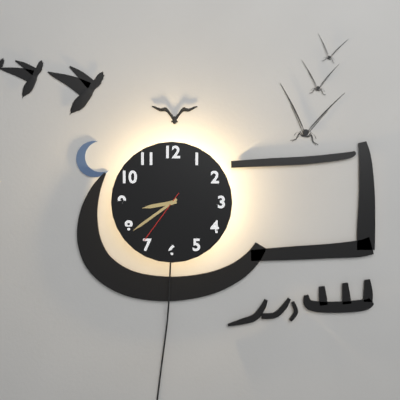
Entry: 8.39.36
